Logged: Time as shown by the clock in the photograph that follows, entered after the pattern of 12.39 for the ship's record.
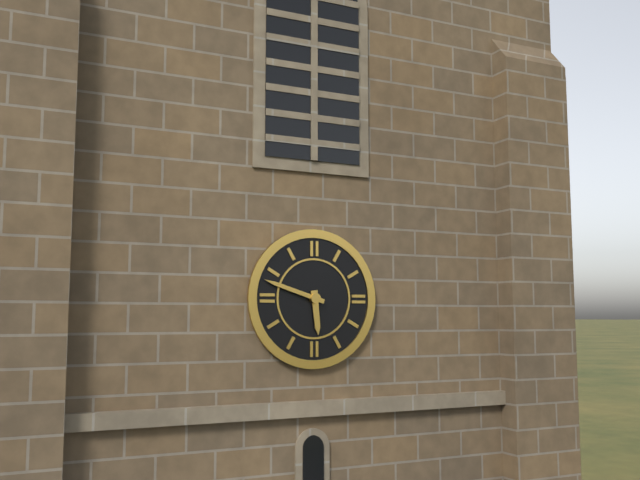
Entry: 5.48
